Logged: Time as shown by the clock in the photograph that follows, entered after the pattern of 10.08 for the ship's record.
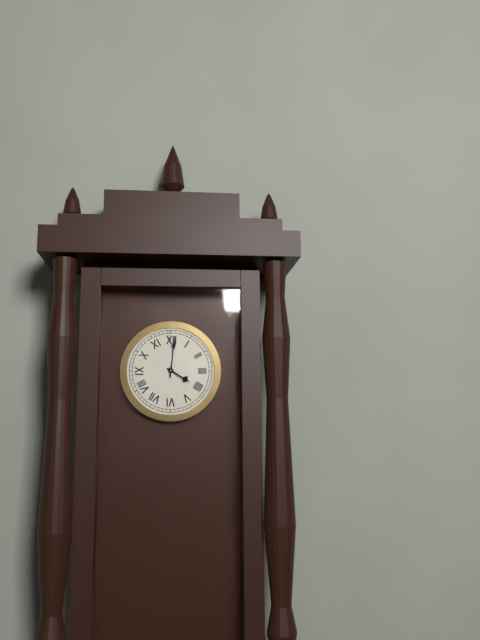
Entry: 4.01
